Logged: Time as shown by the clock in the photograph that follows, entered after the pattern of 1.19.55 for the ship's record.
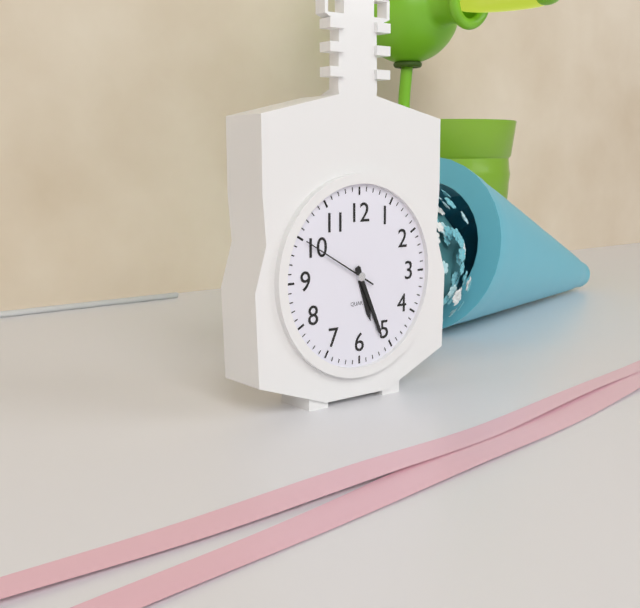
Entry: 5.26.50
